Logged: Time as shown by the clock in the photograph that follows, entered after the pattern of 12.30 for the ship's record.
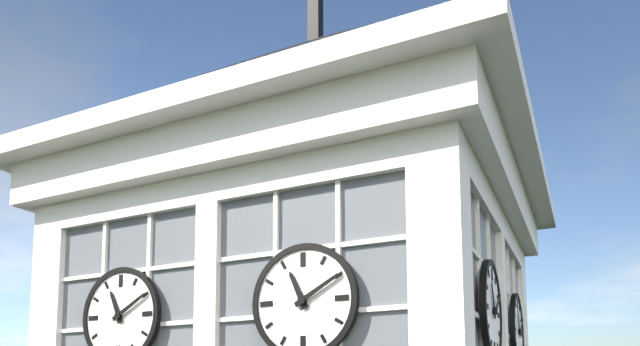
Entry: 11.10
